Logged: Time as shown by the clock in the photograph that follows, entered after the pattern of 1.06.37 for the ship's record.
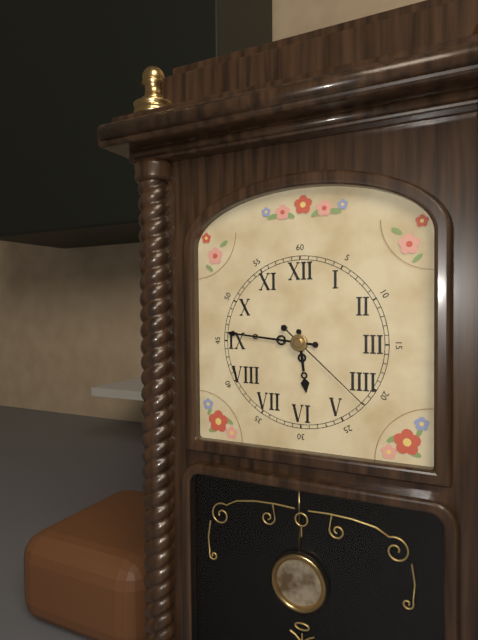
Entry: 5.46.22
